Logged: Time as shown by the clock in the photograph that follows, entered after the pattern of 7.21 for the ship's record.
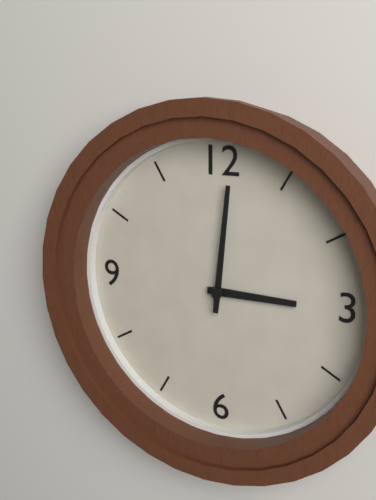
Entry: 3.01
